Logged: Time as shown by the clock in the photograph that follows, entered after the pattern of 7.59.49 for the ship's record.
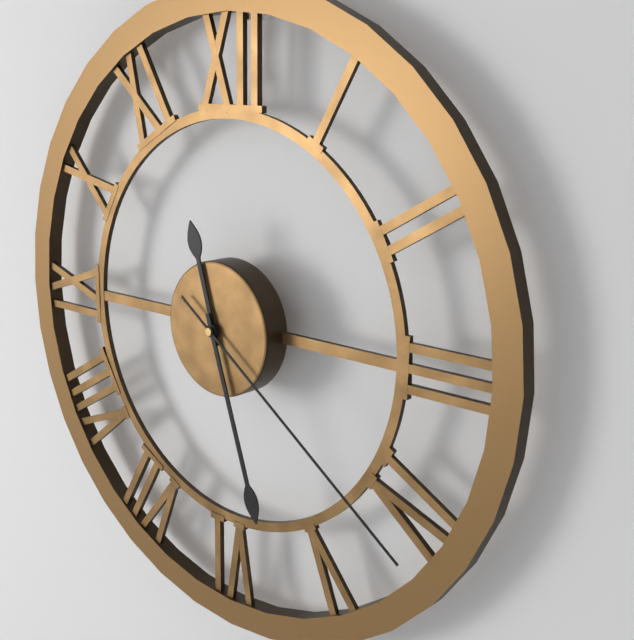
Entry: 11.27.21
